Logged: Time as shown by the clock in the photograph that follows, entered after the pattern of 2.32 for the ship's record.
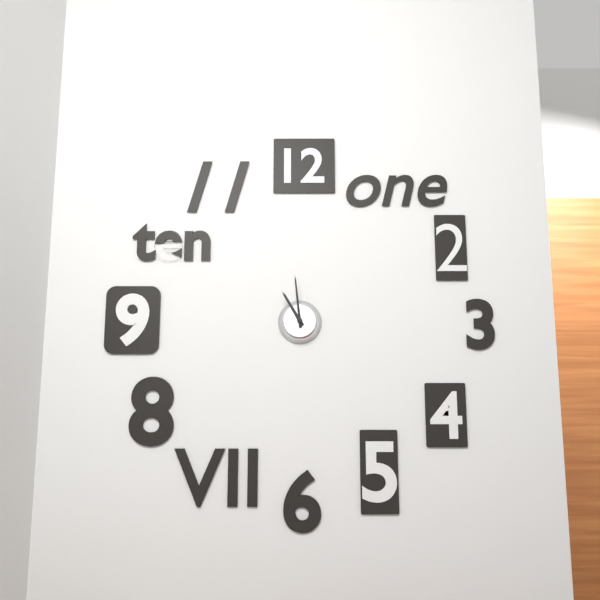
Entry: 10.59
